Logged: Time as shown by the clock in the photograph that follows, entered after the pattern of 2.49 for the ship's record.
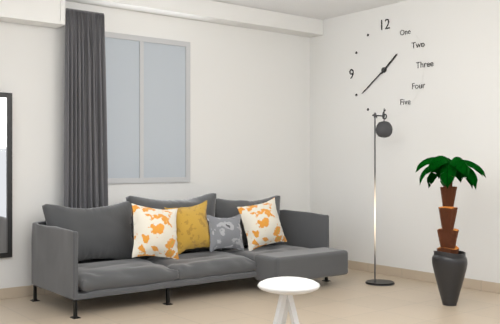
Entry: 1.39
